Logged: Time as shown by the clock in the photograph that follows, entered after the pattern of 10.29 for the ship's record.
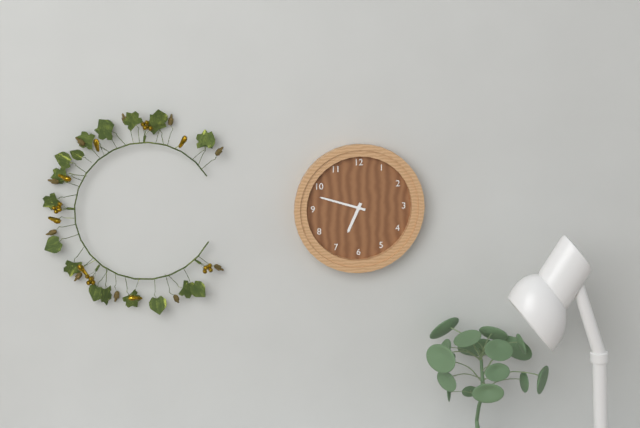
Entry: 6.48
